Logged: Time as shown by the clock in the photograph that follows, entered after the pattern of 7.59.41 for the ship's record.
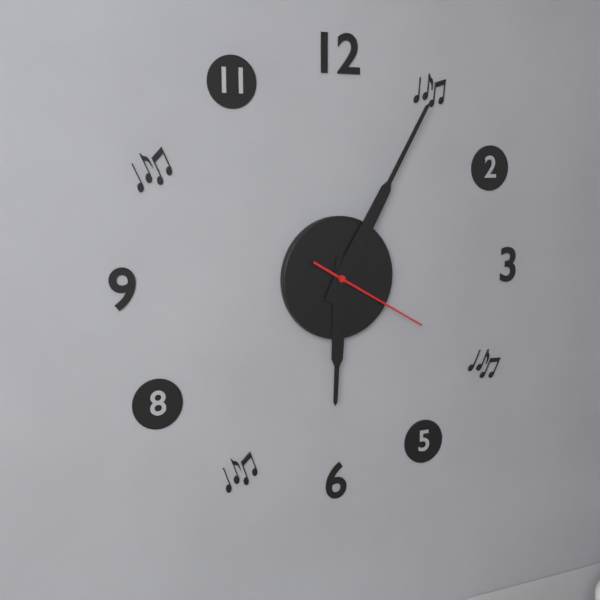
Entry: 6.05.20
